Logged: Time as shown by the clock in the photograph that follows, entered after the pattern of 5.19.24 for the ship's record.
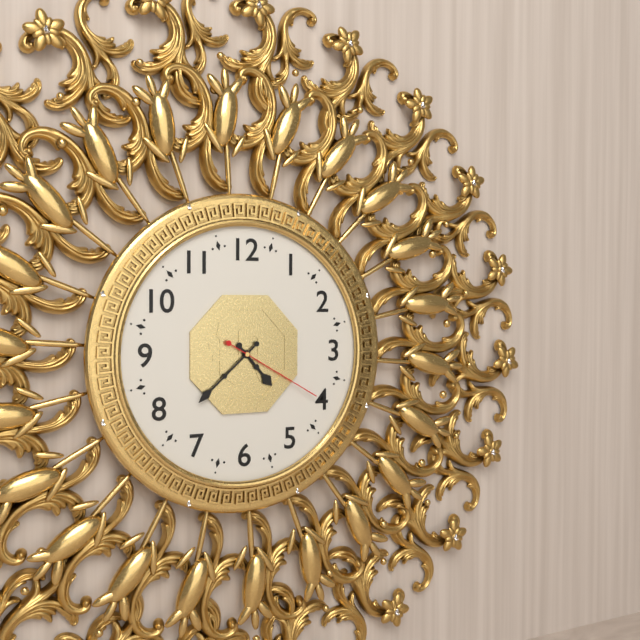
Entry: 4.38.20
